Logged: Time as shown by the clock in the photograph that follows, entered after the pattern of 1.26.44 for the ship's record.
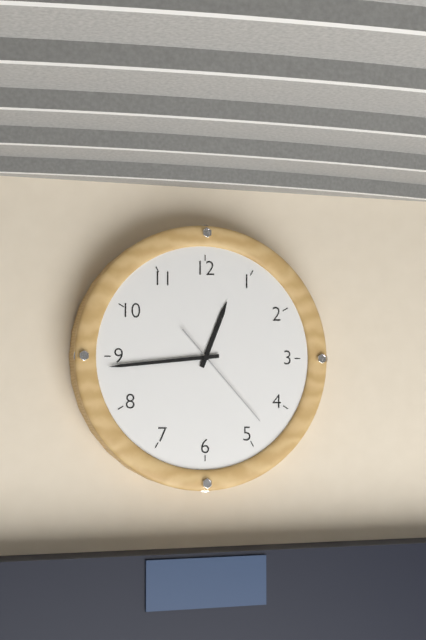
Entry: 12.44.23
